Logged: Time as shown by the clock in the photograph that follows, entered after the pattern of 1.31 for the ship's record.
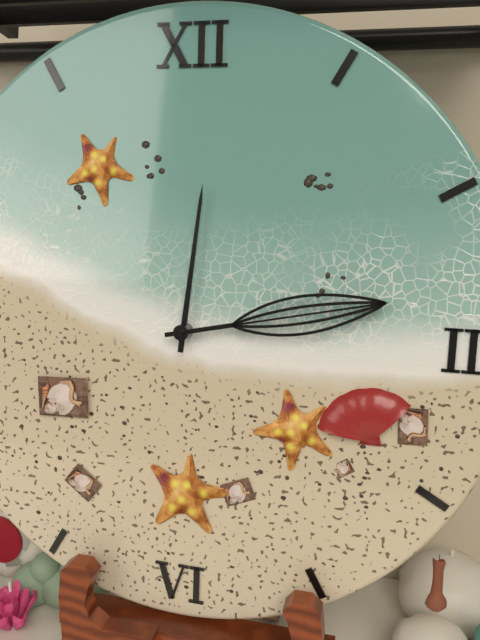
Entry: 12.13
